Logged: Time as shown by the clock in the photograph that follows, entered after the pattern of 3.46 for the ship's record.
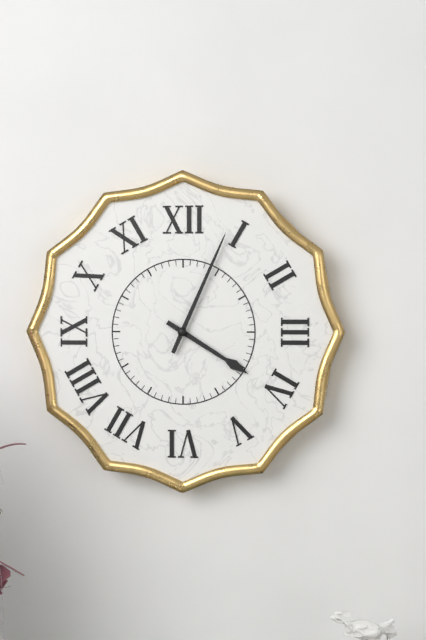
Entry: 4.04
